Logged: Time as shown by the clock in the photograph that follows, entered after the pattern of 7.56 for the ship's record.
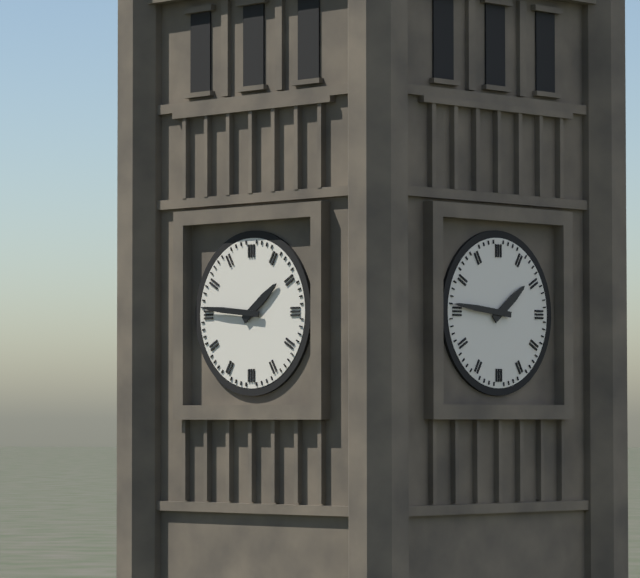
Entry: 1.46
